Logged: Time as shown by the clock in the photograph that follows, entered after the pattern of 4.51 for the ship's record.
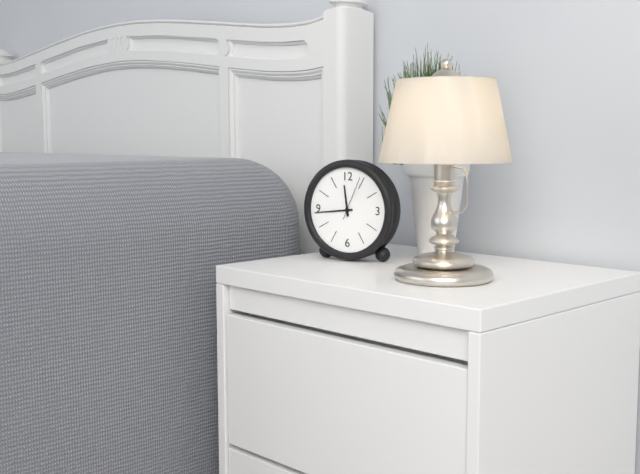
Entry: 11.44
